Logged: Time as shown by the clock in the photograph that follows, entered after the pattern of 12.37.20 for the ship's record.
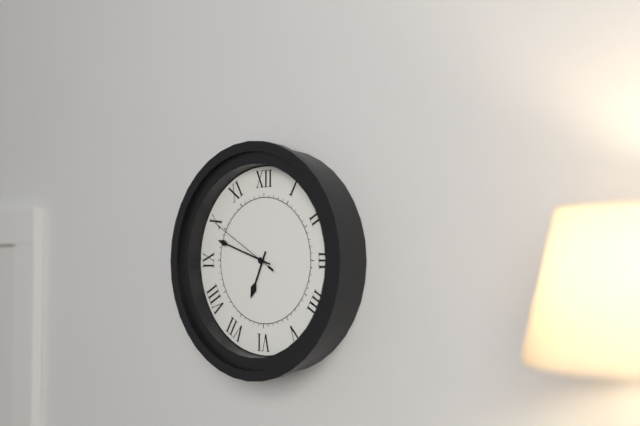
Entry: 6.48.50
